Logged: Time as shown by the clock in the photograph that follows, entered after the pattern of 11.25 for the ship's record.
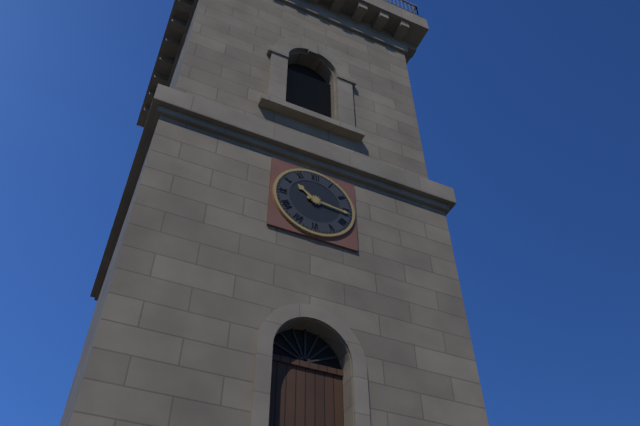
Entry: 10.16
